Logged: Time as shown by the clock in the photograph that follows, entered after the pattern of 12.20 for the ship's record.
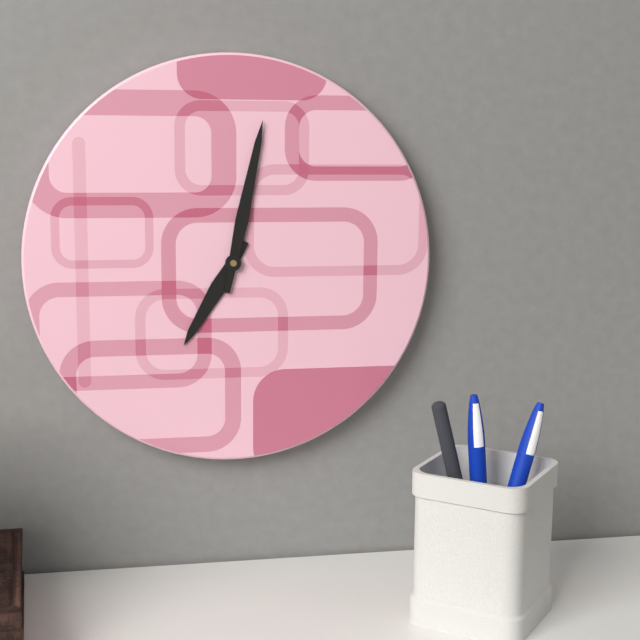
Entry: 7.02
